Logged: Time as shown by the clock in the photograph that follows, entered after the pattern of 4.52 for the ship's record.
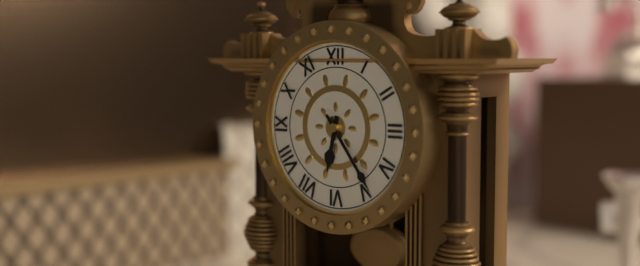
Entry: 6.24
